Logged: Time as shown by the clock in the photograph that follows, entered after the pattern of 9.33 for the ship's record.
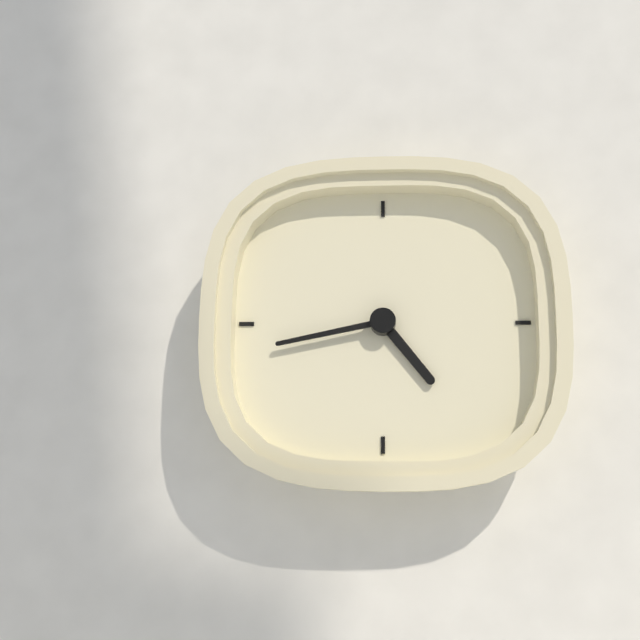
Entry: 4.43
